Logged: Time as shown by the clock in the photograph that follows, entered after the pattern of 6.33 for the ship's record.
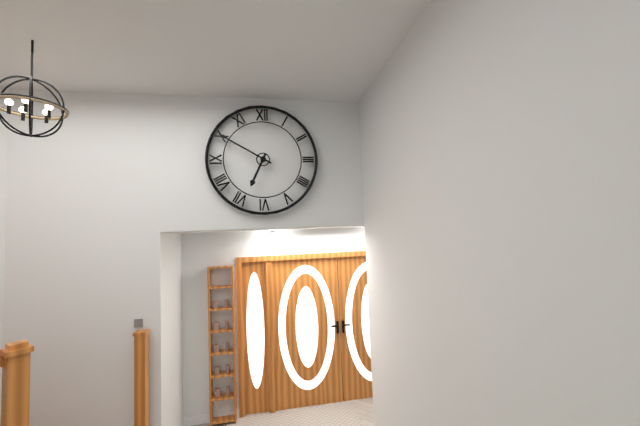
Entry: 6.50
